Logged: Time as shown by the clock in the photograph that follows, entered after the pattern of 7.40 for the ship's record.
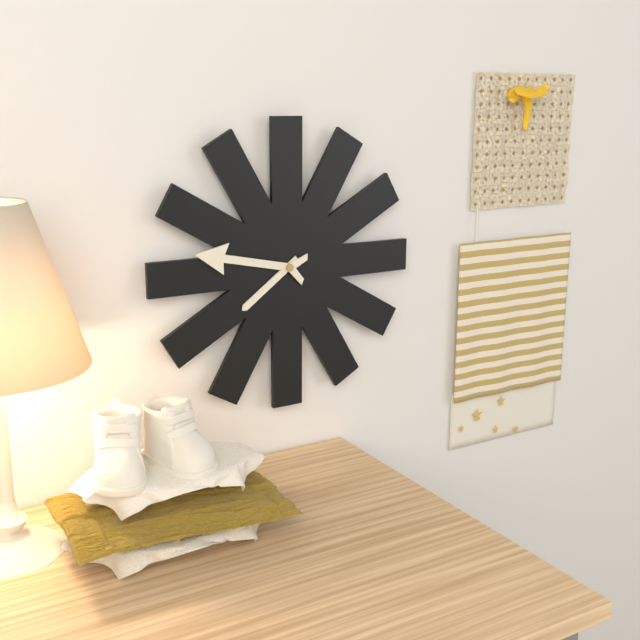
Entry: 7.47
